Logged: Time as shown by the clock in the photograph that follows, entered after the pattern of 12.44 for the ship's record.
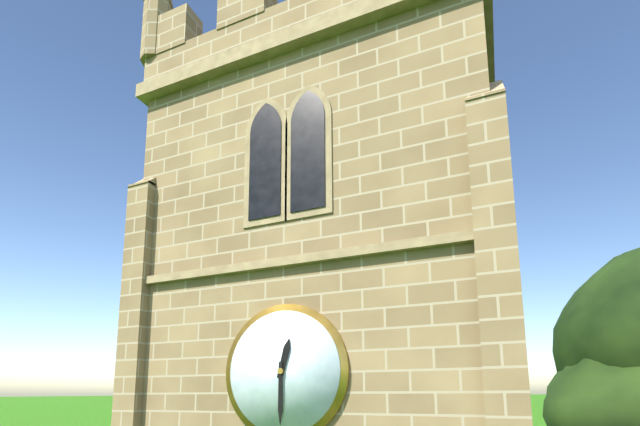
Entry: 12.30
